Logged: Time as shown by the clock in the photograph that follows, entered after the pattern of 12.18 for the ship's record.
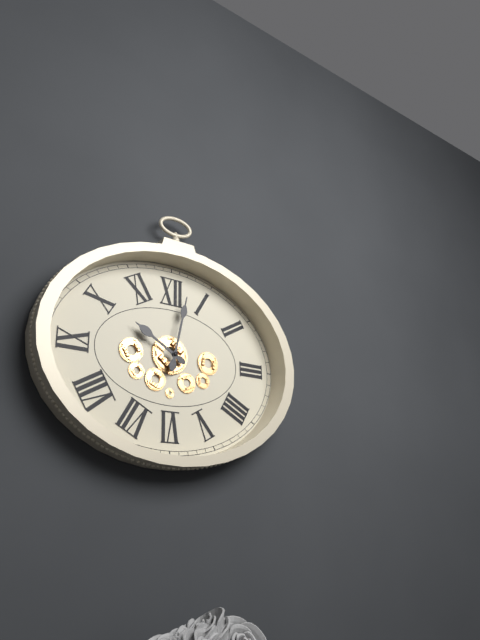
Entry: 10.02
